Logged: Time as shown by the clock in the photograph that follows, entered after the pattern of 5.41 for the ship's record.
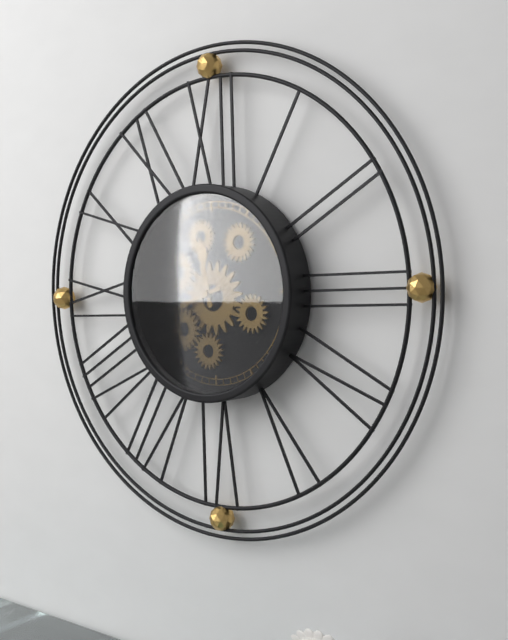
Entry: 11.42
